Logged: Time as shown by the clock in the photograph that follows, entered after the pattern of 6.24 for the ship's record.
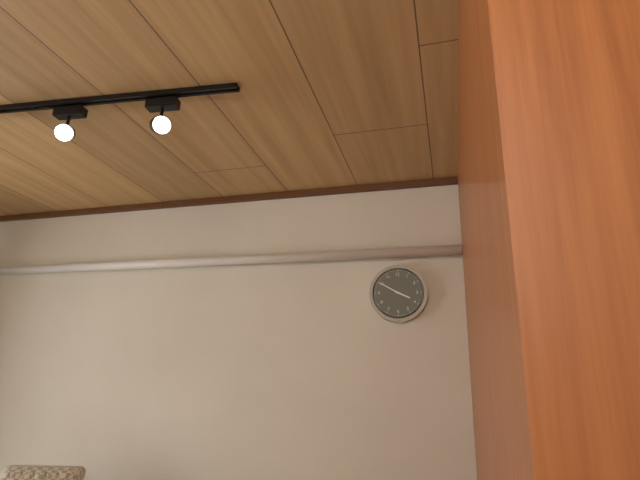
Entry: 3.50
